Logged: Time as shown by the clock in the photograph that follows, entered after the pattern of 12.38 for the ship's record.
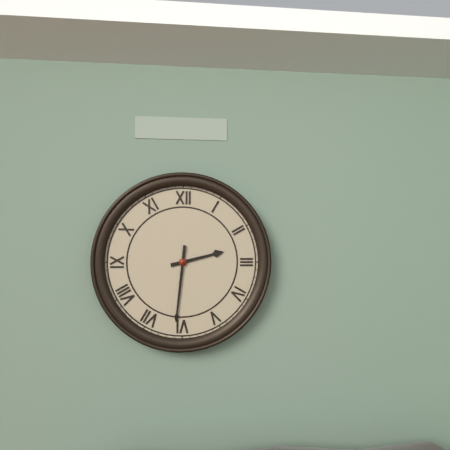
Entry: 2.31
